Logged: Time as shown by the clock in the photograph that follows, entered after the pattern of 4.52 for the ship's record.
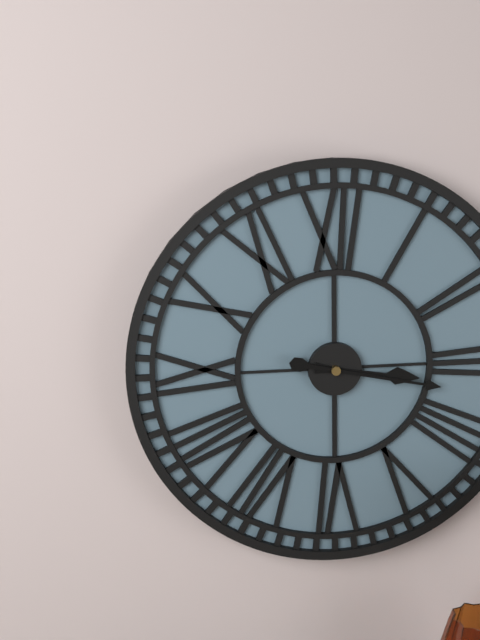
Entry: 3.17
